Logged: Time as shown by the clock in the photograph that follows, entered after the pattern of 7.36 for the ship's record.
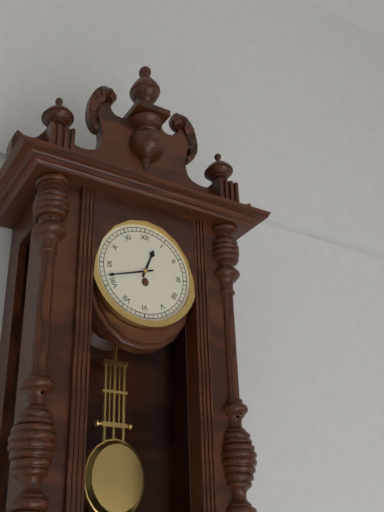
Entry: 12.42
